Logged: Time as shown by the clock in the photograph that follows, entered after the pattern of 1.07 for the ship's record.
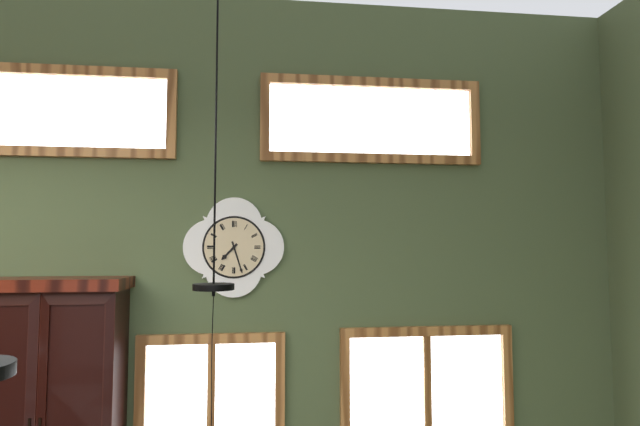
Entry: 7.27
